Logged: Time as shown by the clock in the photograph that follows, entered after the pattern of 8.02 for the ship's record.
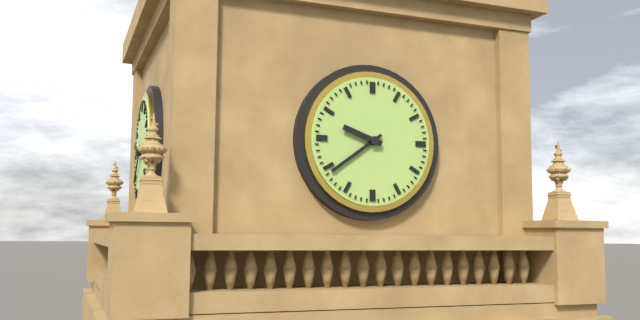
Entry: 9.39
